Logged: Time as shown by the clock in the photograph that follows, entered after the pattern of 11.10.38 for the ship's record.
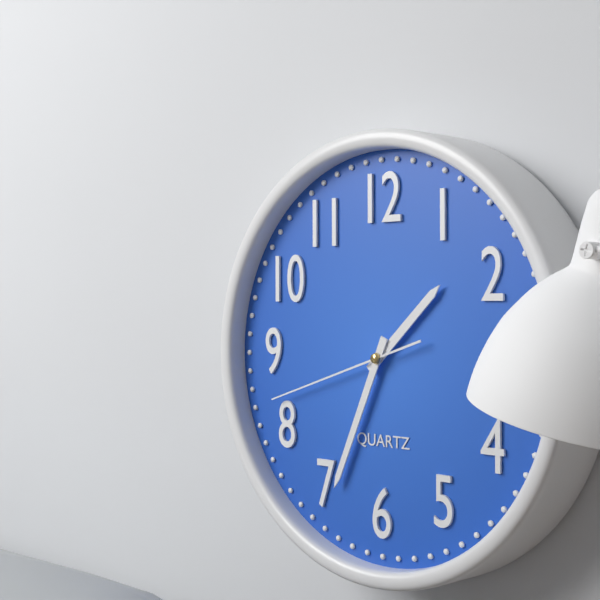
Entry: 1.34.42
